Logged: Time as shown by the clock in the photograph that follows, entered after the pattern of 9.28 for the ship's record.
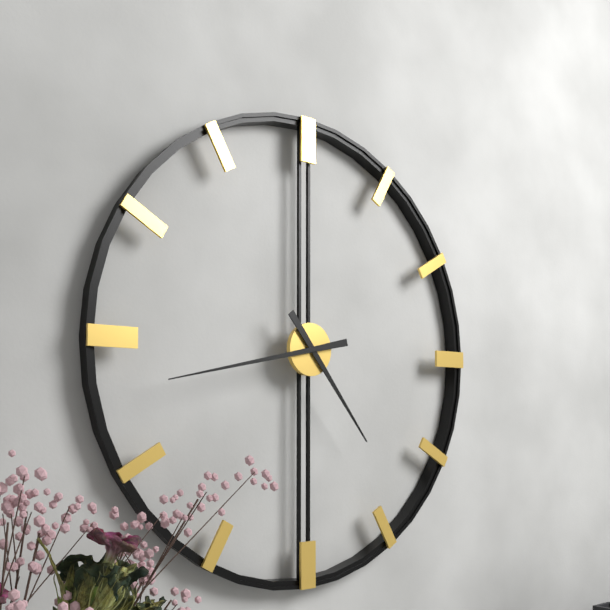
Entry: 4.43
